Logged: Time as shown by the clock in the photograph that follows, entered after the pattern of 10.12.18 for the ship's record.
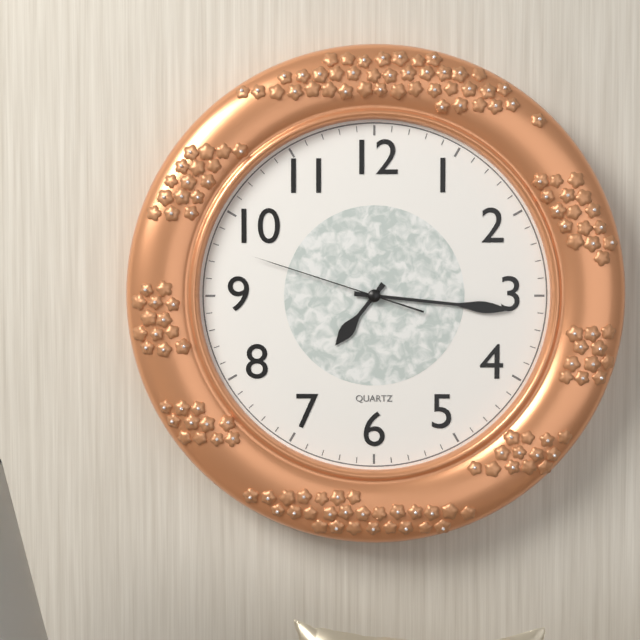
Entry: 7.16.48
